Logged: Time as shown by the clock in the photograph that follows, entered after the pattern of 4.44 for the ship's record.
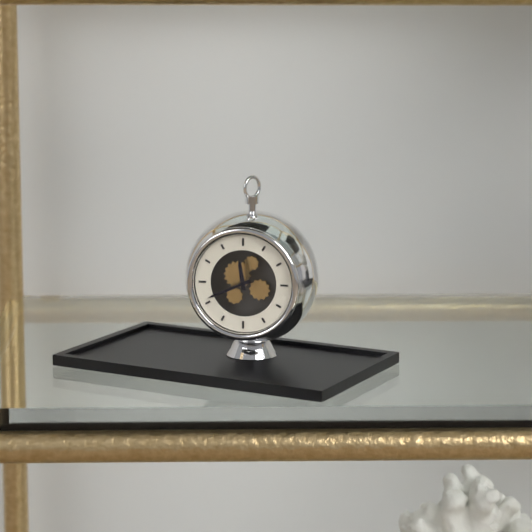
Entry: 11.41
